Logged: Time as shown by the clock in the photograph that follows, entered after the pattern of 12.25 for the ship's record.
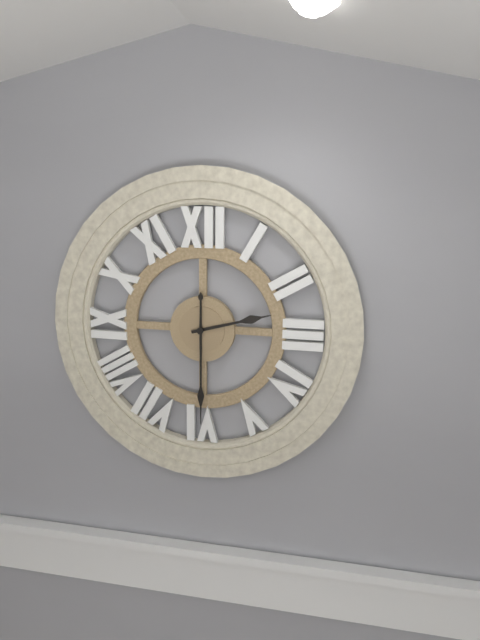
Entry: 2.30
